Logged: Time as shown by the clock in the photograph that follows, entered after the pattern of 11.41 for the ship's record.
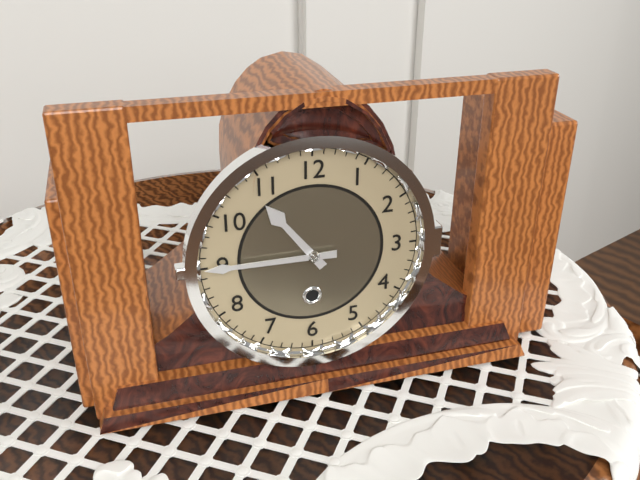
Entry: 10.45
